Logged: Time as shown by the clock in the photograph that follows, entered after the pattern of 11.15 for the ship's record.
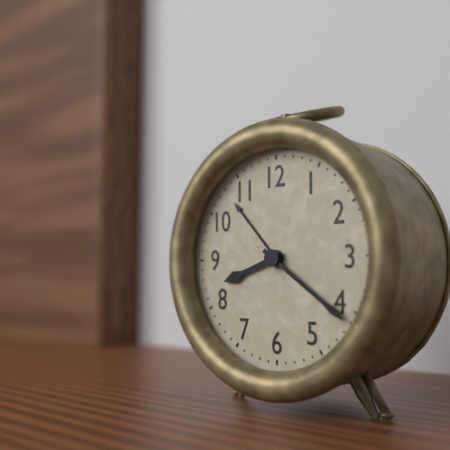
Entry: 8.21
